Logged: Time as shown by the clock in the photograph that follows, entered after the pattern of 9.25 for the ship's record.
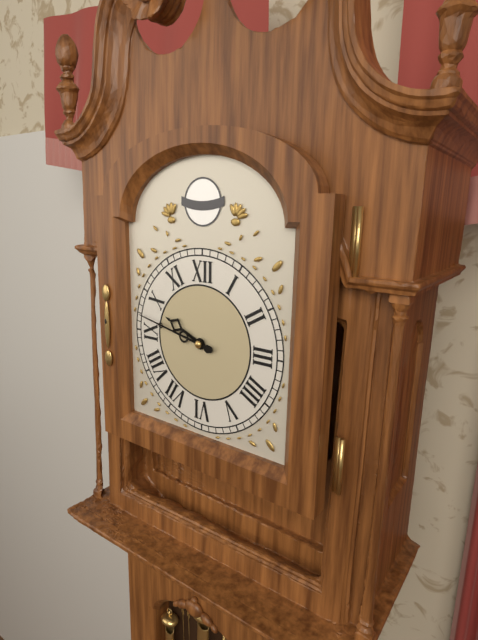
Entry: 9.47
